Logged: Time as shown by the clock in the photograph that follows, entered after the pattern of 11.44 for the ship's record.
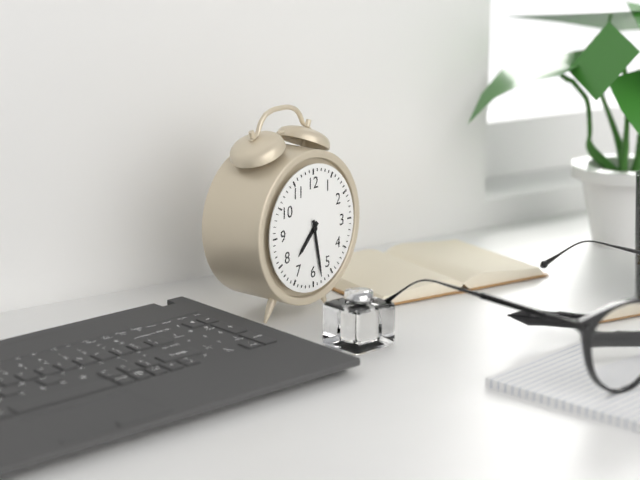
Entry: 7.28
